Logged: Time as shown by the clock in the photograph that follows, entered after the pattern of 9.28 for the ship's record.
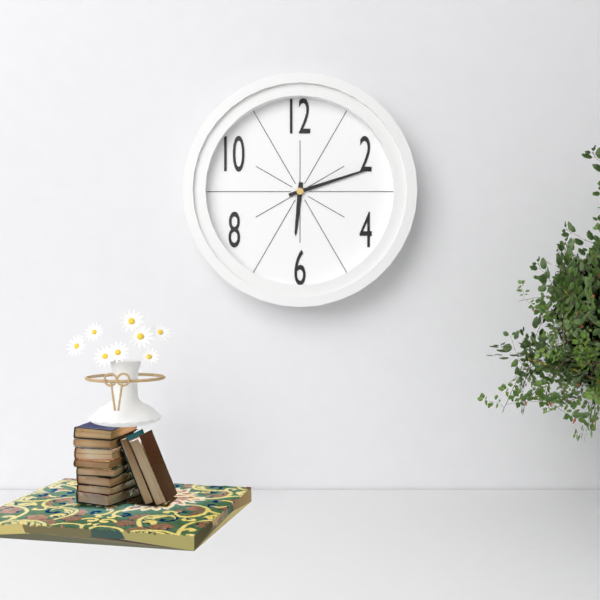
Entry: 6.12
